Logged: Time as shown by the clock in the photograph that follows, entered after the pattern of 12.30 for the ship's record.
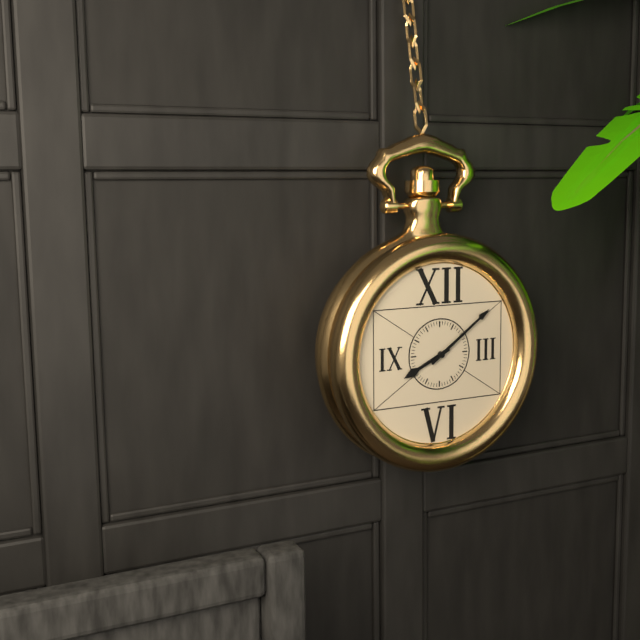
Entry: 8.09
